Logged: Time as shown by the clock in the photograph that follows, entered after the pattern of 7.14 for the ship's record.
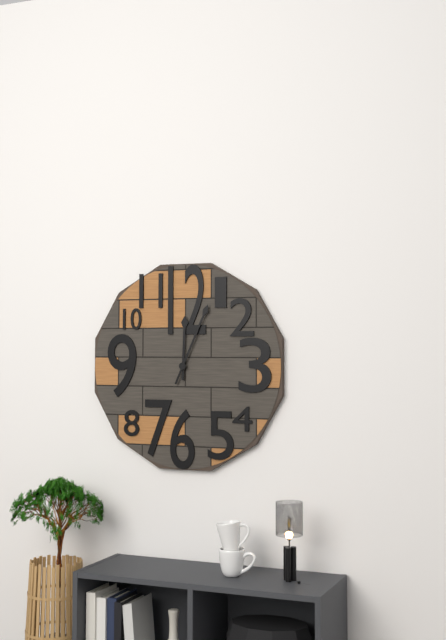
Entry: 12.04
